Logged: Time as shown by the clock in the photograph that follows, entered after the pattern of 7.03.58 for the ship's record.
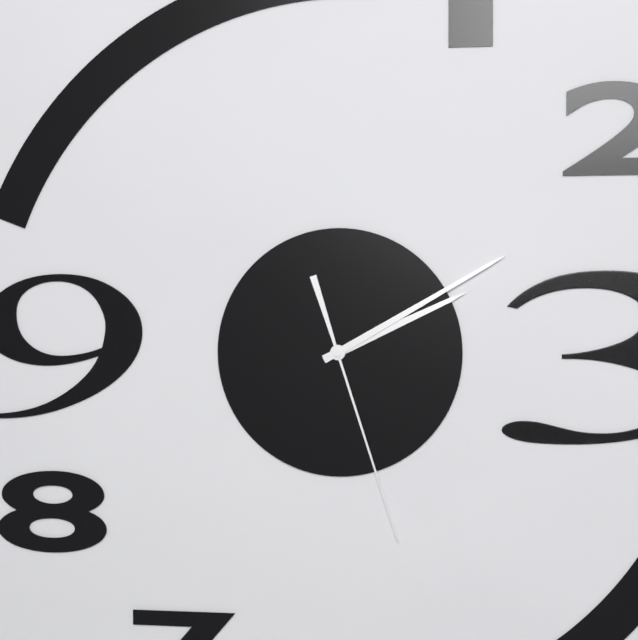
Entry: 2.10.27
